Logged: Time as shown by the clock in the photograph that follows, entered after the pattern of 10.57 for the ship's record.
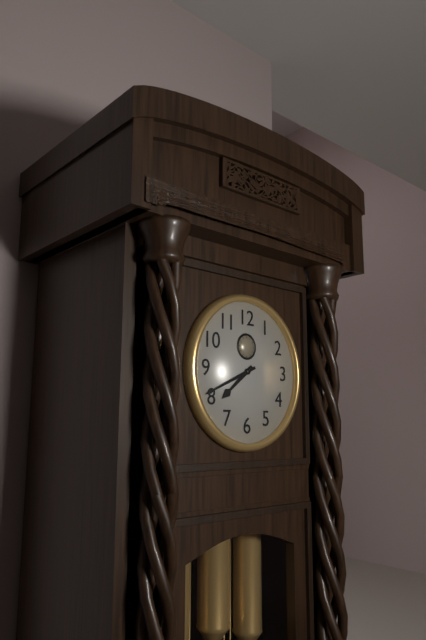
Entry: 7.41
